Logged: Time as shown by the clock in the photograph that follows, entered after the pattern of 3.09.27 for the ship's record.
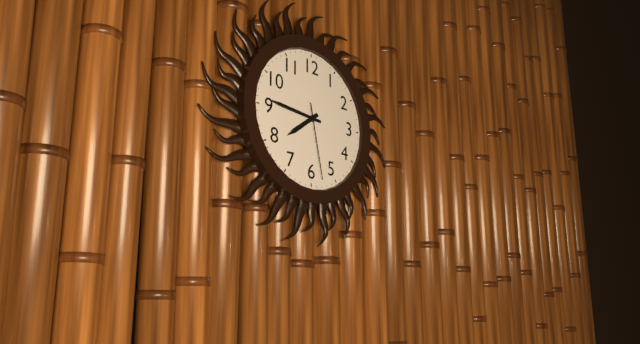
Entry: 7.46.28
